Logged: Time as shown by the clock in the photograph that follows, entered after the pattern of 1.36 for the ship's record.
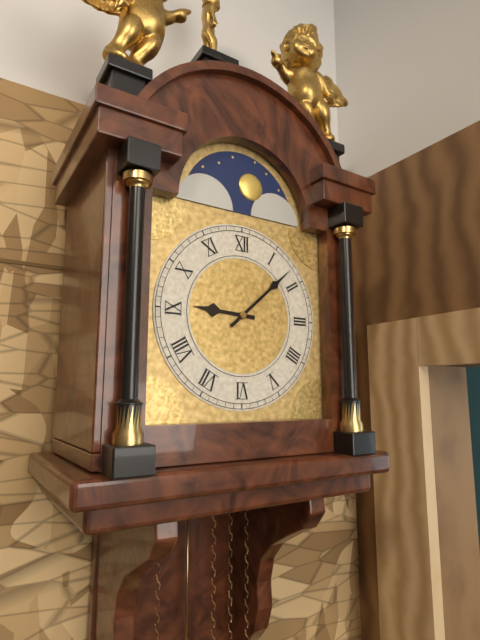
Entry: 9.08
